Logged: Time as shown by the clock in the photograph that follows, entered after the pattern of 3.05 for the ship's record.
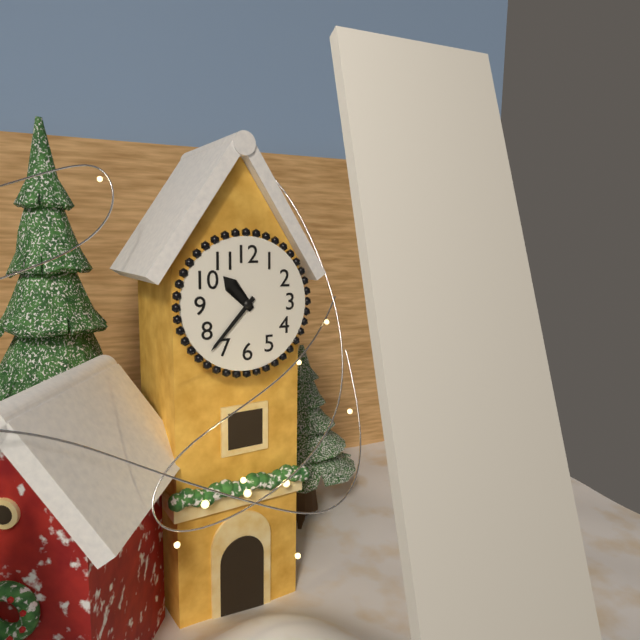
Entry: 10.37
